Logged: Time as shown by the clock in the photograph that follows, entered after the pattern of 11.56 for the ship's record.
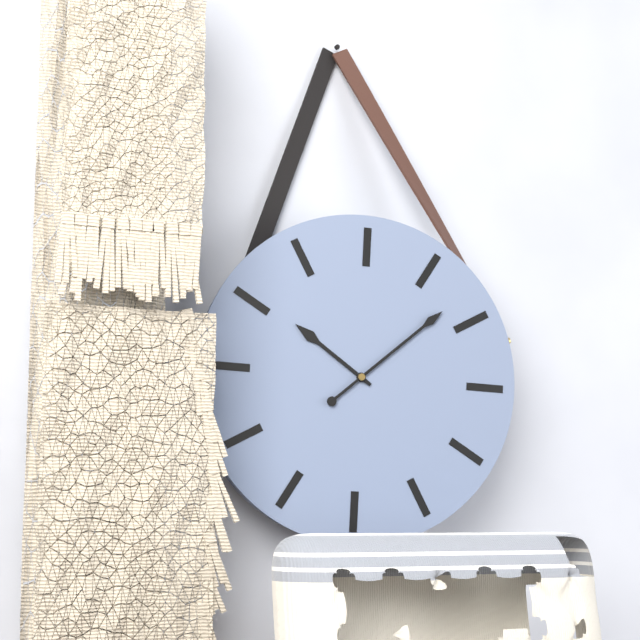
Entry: 10.08
